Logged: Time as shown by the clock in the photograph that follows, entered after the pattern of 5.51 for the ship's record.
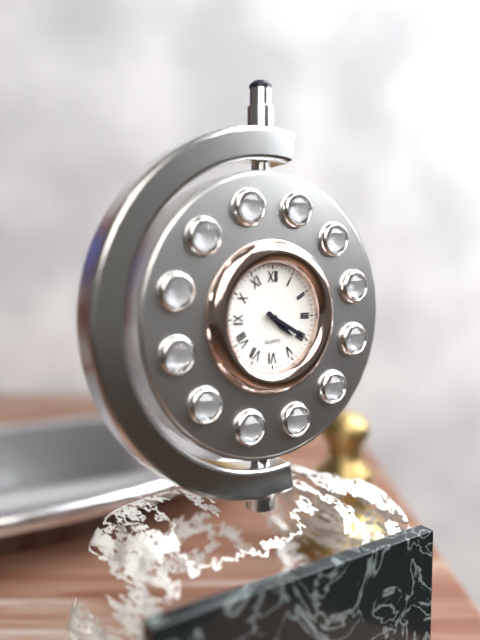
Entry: 4.20
